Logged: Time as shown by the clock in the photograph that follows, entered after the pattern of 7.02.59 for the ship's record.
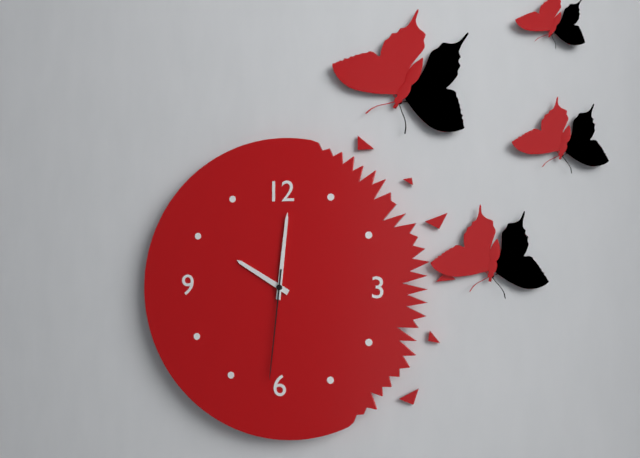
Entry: 10.01.31
